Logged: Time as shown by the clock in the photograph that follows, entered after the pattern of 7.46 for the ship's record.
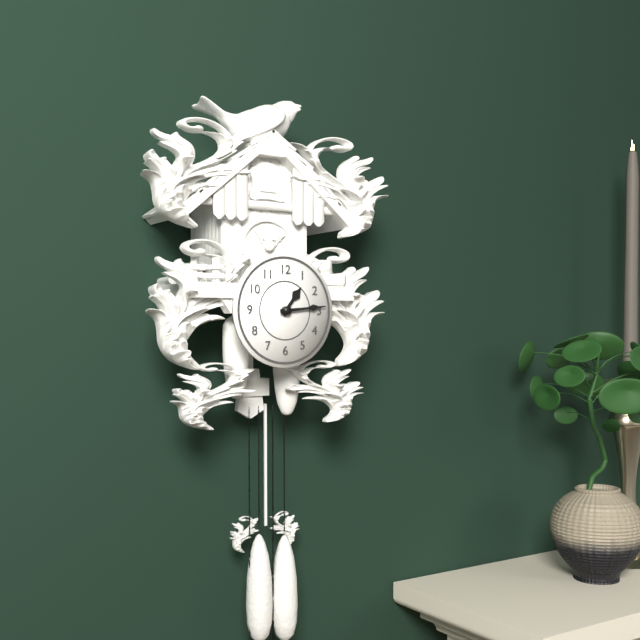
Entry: 1.14
